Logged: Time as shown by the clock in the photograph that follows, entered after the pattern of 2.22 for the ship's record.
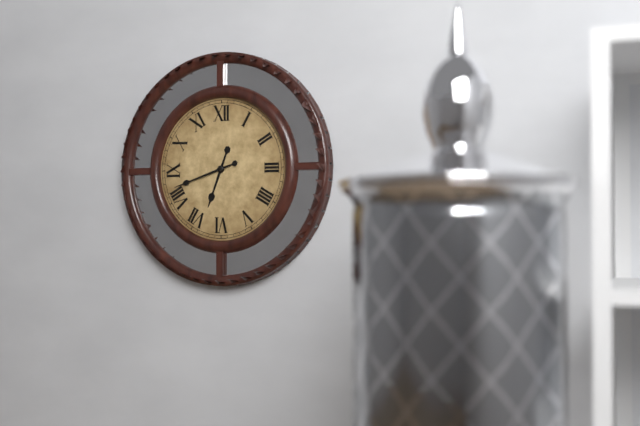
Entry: 6.42
